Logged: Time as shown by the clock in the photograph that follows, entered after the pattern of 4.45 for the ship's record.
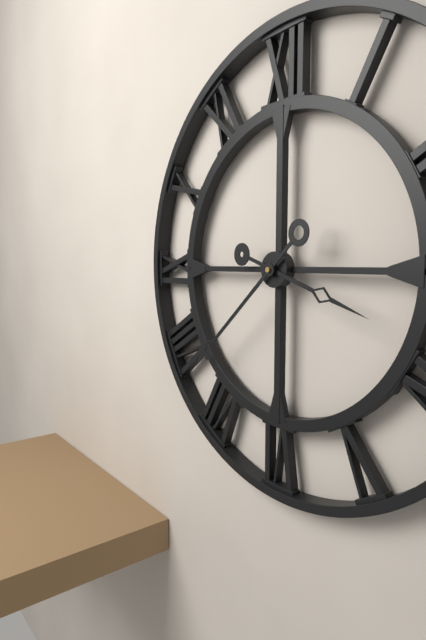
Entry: 3.38
